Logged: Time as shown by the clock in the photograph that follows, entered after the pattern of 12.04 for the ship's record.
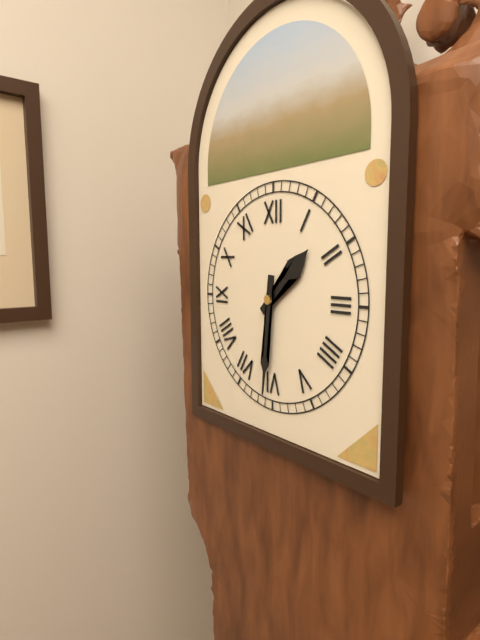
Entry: 1.31
